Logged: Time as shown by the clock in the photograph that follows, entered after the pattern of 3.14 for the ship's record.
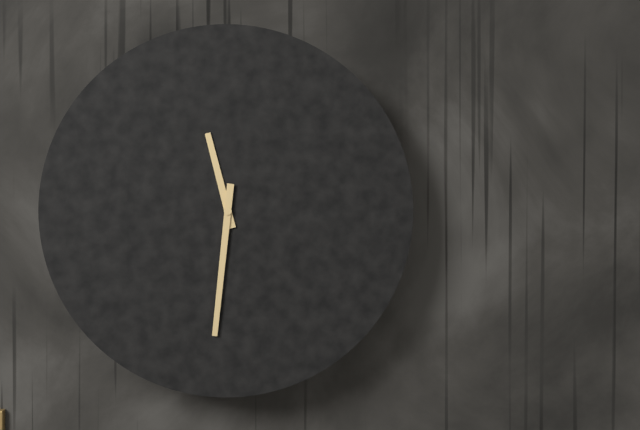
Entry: 11.31
